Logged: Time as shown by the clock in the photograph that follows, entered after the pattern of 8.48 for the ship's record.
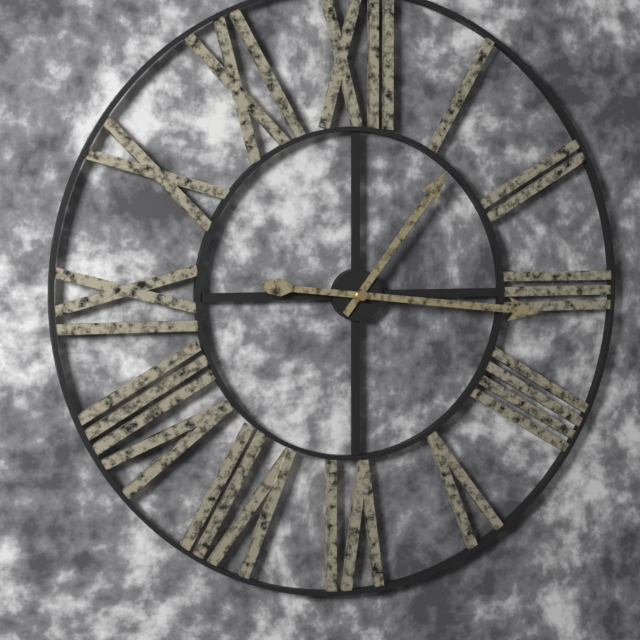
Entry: 1.16
